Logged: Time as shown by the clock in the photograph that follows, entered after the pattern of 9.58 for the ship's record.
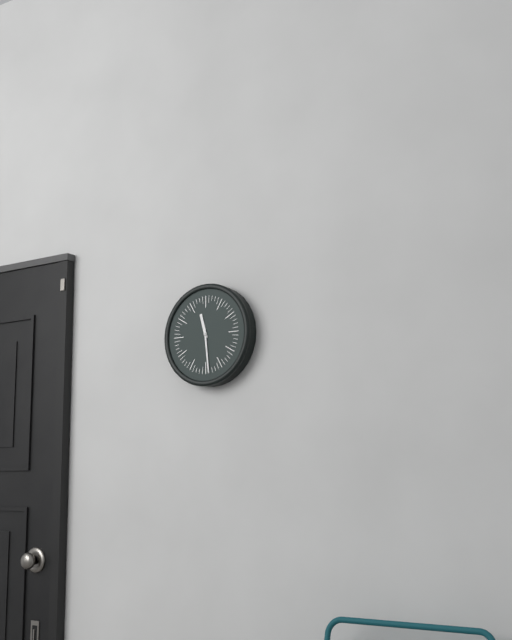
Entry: 11.29
